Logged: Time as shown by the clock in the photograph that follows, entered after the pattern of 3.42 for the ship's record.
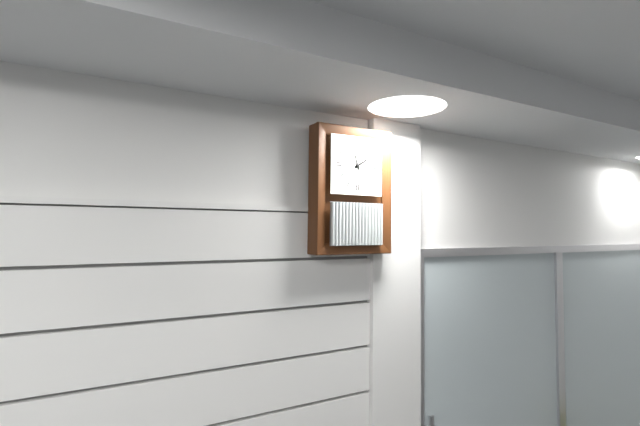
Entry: 1.57
